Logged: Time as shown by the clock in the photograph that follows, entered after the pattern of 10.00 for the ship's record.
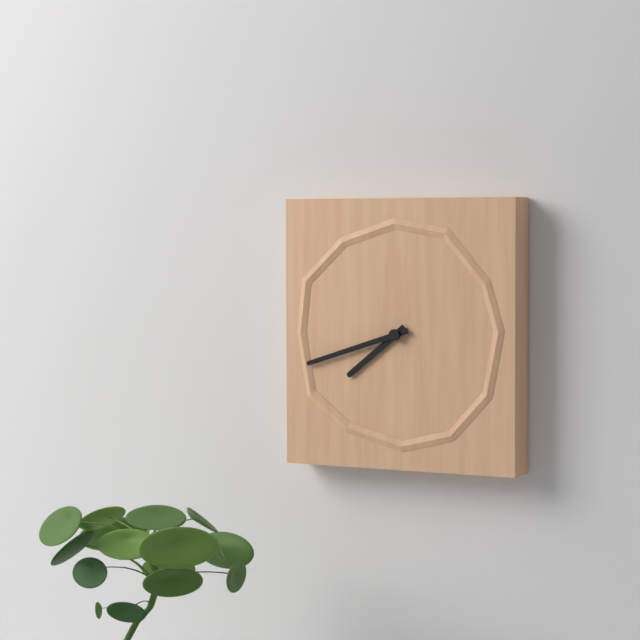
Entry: 7.42
